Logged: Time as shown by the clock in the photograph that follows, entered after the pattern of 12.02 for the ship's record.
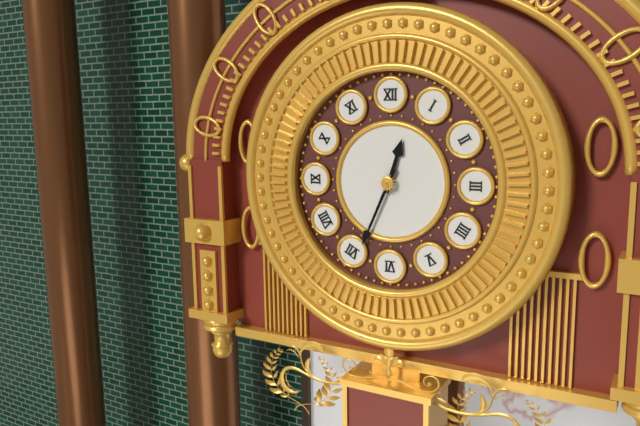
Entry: 12.34
